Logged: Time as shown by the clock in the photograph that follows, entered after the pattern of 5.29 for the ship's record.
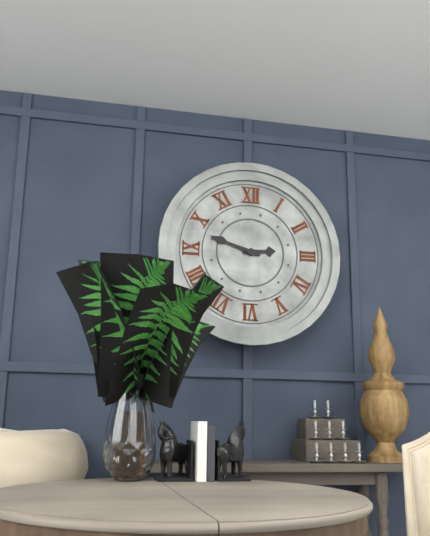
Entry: 2.48
